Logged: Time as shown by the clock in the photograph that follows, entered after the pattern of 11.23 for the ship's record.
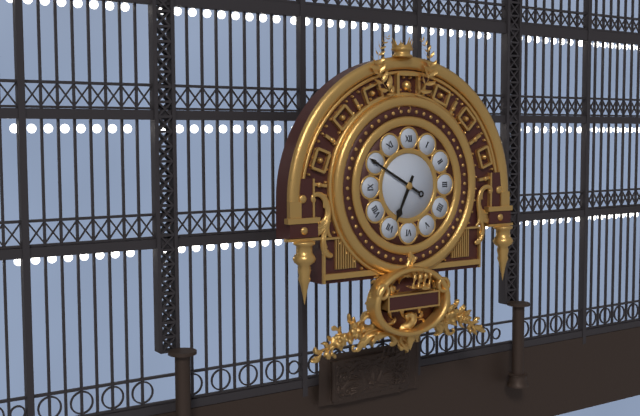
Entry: 6.50
